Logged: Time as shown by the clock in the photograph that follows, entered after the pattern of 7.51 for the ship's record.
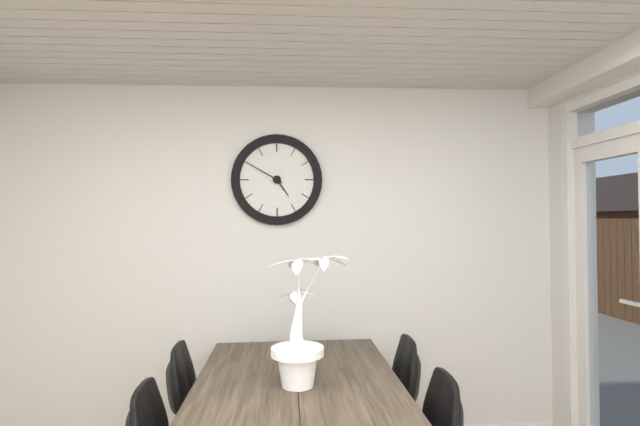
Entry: 4.50
